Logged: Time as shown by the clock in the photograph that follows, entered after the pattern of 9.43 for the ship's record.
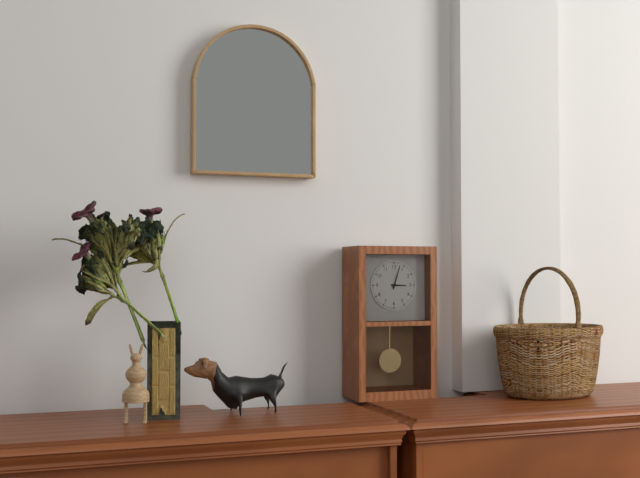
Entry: 3.03
